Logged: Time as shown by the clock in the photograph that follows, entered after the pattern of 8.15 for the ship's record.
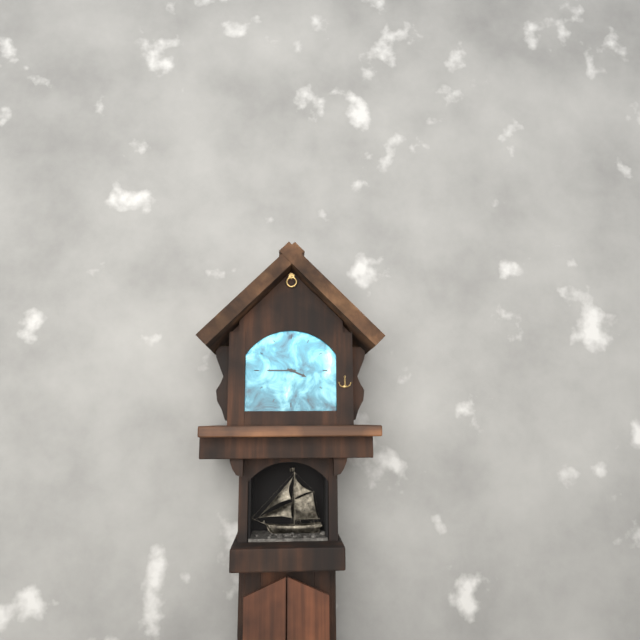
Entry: 3.45
